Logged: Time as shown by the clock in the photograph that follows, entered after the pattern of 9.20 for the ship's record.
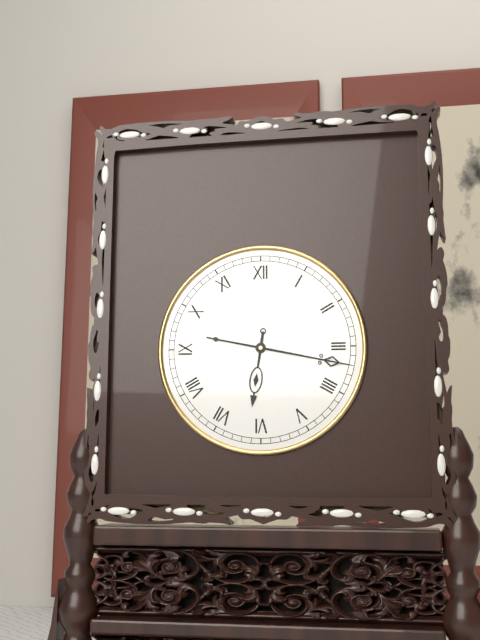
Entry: 6.17
